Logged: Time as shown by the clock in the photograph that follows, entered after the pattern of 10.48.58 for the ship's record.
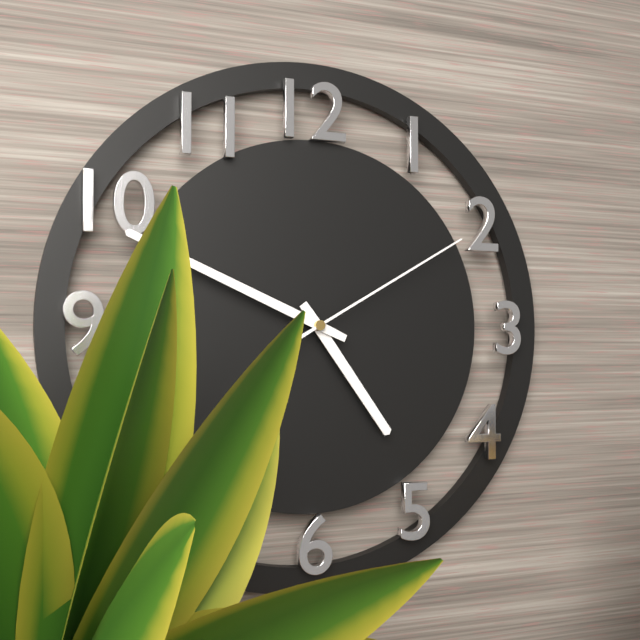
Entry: 4.49.10
